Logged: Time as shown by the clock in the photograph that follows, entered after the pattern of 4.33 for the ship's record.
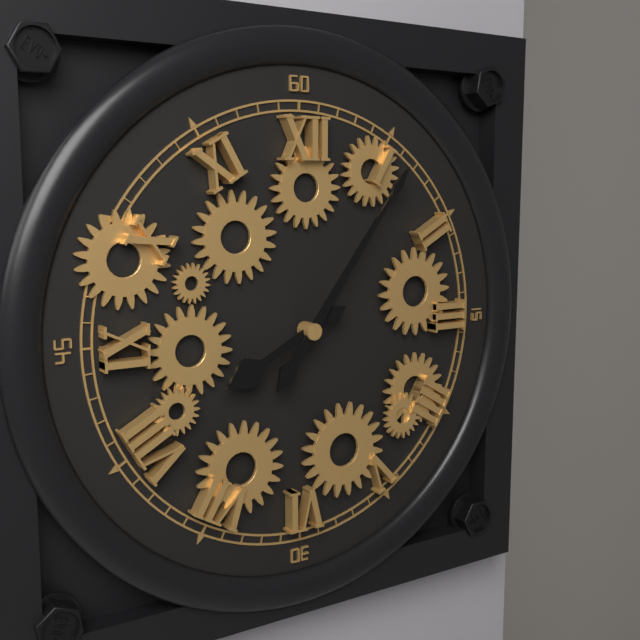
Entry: 8.06
